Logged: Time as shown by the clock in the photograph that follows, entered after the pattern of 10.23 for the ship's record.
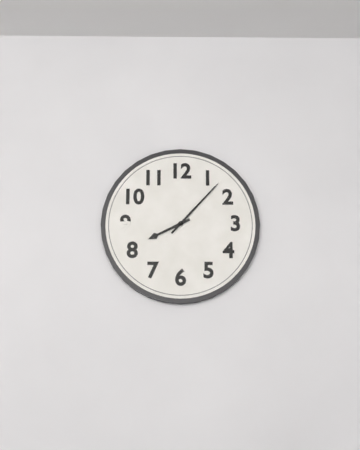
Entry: 8.07
